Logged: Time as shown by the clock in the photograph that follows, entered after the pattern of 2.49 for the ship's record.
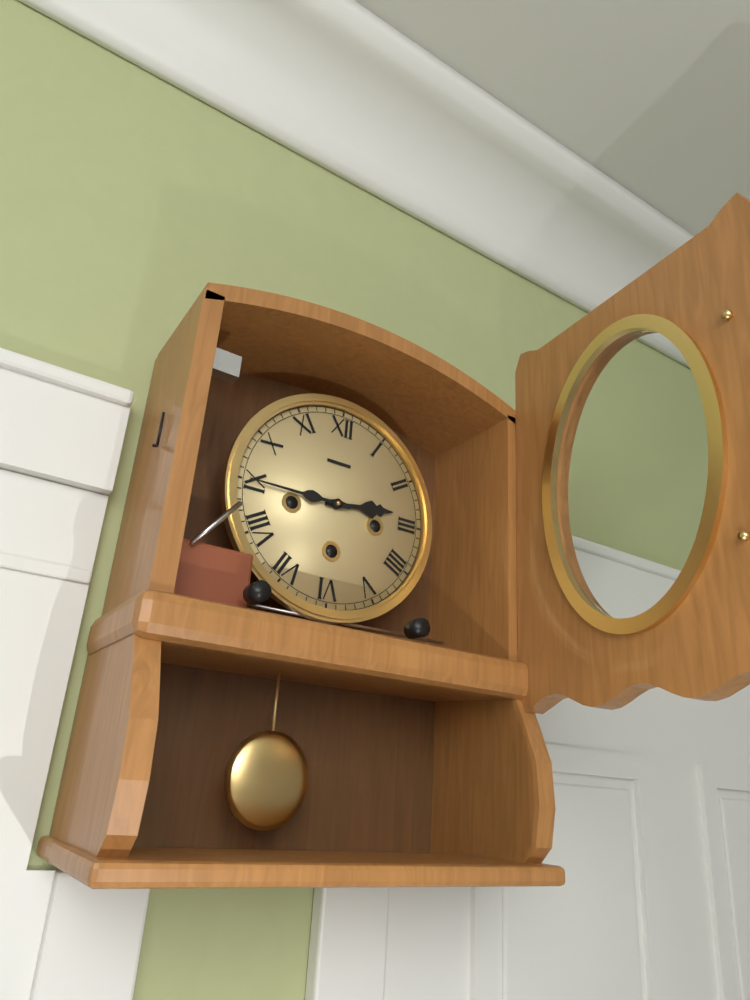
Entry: 2.45
